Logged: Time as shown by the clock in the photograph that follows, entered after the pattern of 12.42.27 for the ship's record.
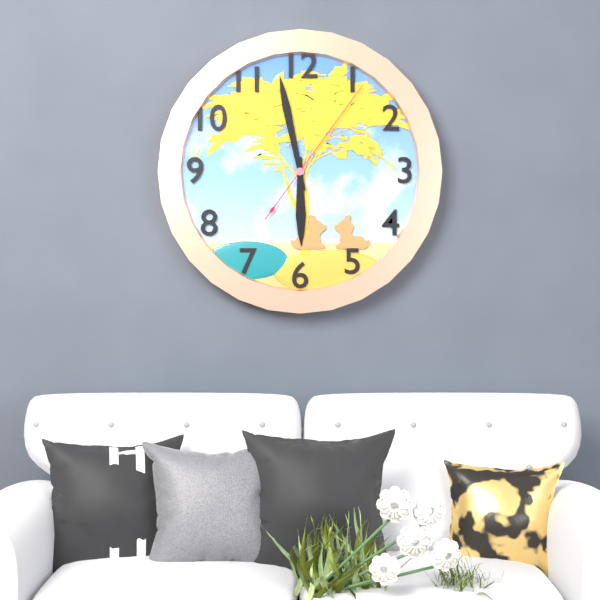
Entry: 5.58.06
